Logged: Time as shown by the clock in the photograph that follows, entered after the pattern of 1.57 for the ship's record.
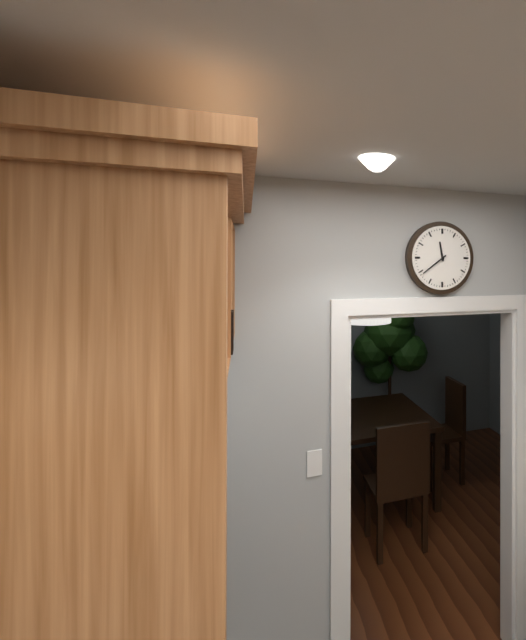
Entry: 11.39
